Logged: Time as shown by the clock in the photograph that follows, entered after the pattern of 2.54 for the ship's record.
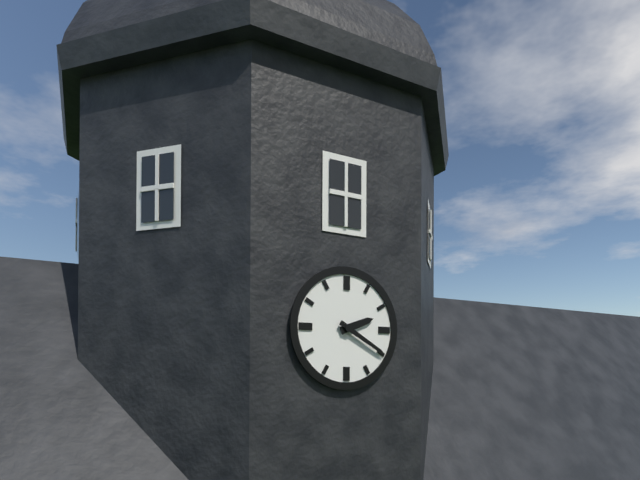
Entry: 2.20
